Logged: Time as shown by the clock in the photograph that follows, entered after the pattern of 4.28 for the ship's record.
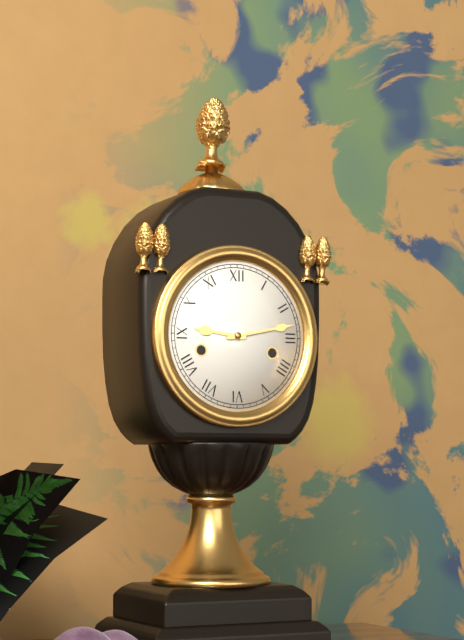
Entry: 9.13
